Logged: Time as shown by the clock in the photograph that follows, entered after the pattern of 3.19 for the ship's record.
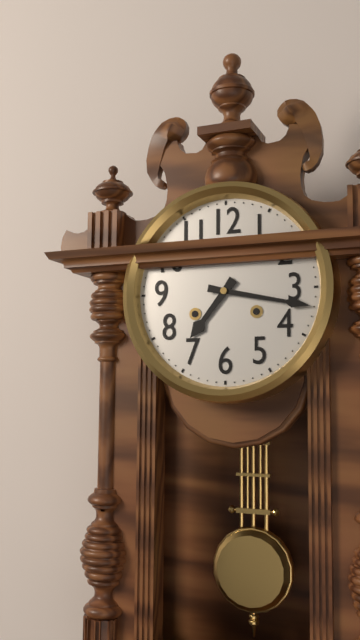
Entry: 7.17
